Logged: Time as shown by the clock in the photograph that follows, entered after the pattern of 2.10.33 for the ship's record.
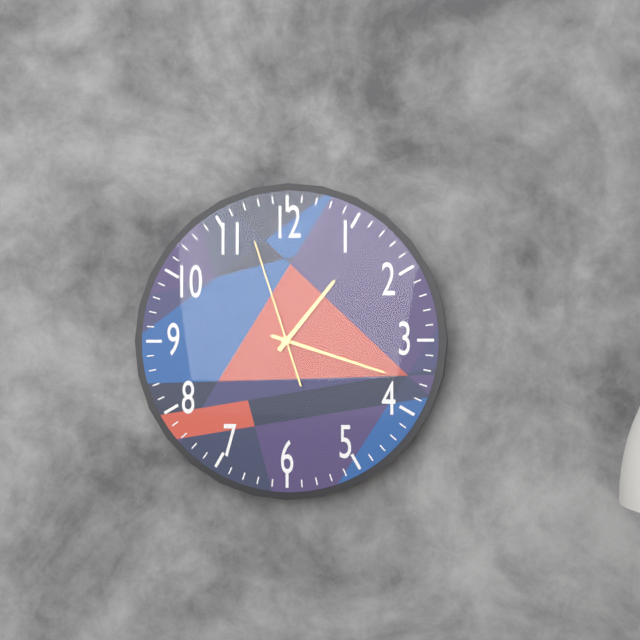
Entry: 1.18.57
